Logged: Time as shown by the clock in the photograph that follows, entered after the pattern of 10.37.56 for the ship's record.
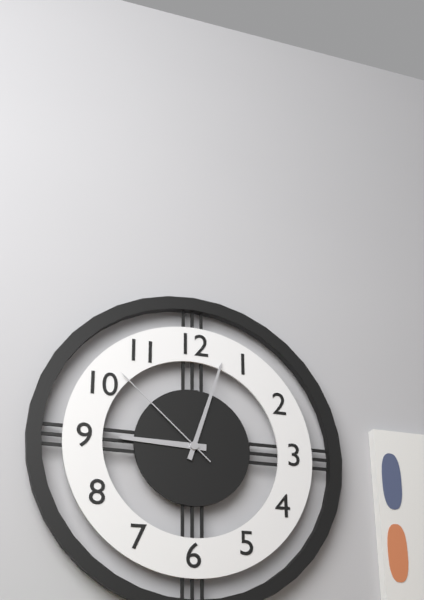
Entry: 9.03.52
